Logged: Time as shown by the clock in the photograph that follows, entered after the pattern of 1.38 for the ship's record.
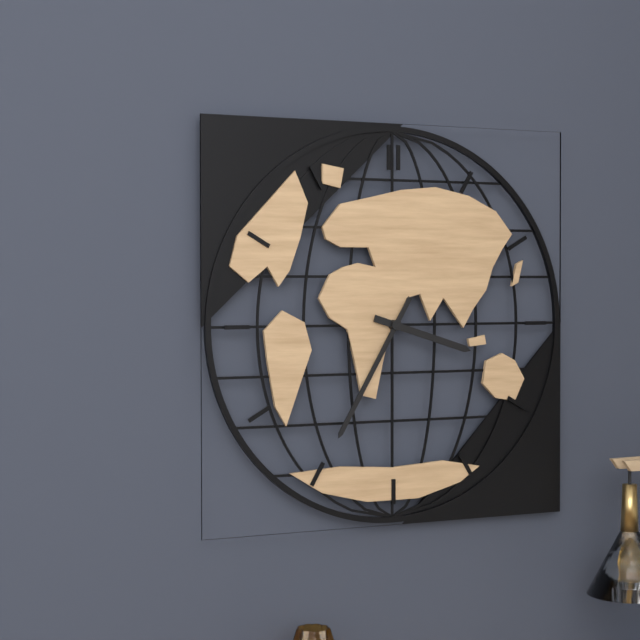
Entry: 3.35
